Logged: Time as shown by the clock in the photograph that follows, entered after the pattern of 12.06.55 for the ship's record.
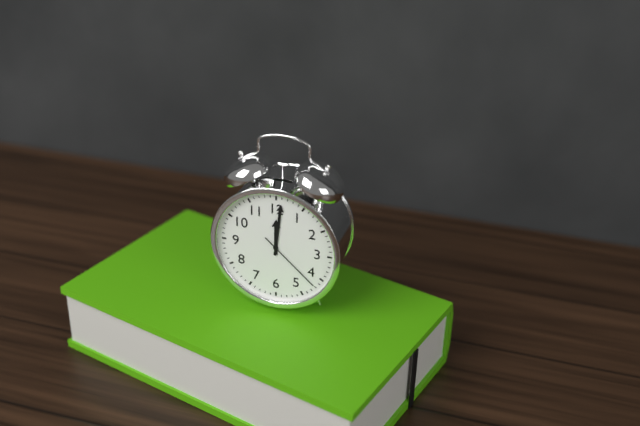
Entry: 12.01.22
